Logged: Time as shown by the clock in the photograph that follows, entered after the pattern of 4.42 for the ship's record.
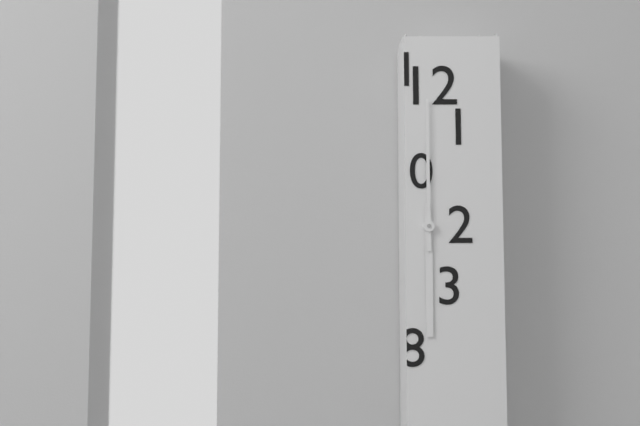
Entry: 6.00
